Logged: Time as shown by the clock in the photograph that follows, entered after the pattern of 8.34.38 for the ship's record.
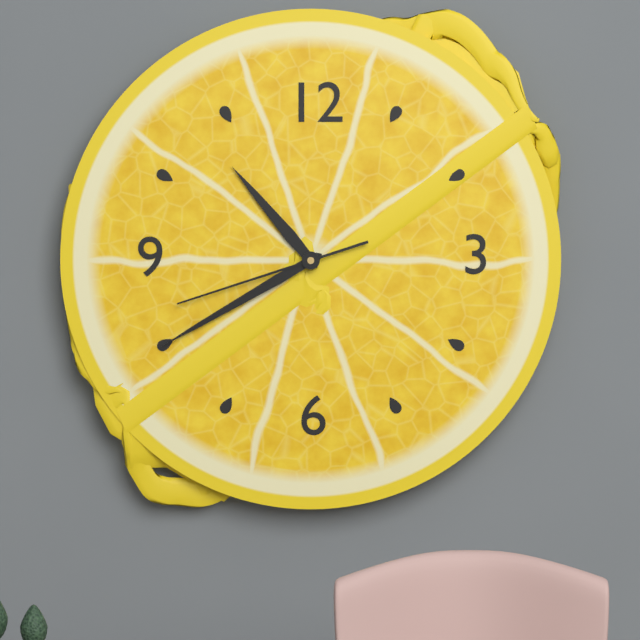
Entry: 10.40.42
